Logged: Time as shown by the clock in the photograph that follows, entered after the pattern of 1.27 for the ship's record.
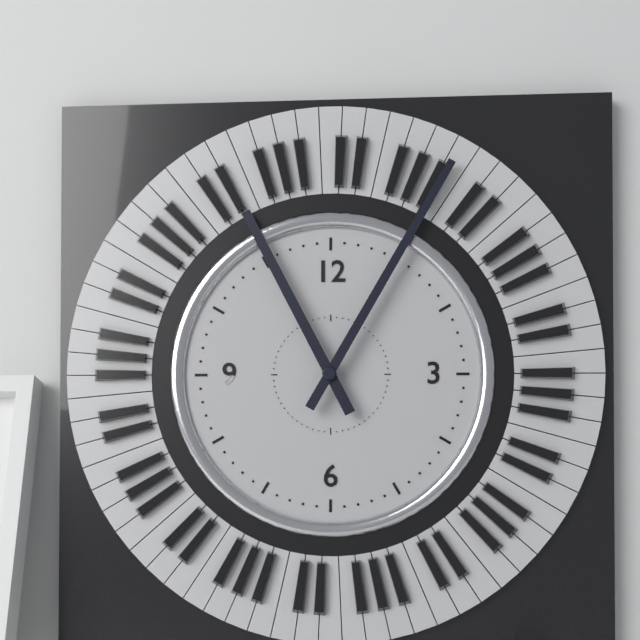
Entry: 11.05
